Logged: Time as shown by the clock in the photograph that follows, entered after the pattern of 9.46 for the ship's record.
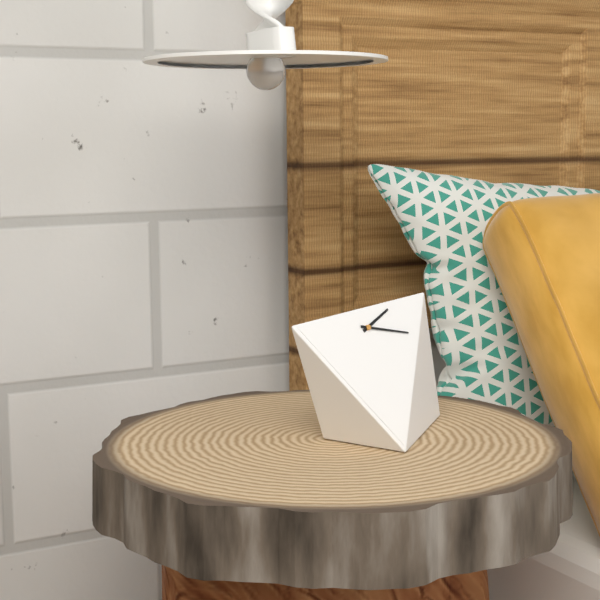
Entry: 2.18
